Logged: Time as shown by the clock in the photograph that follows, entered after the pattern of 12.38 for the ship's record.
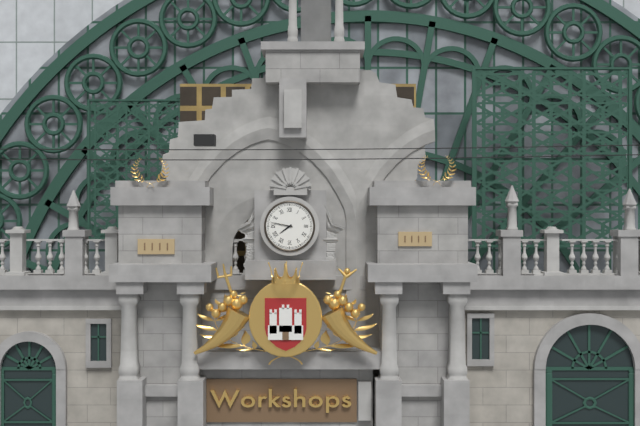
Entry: 7.47
